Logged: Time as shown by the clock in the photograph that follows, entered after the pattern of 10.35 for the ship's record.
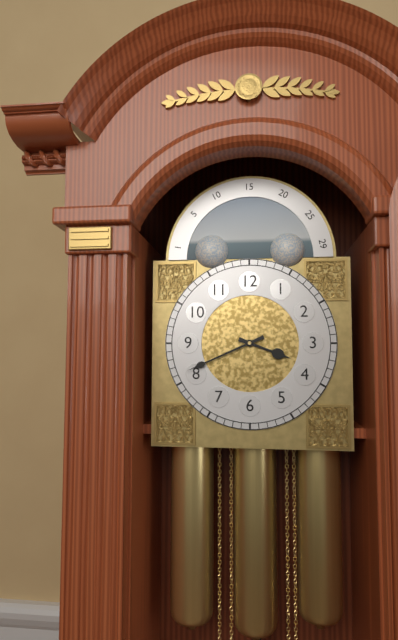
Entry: 3.41
